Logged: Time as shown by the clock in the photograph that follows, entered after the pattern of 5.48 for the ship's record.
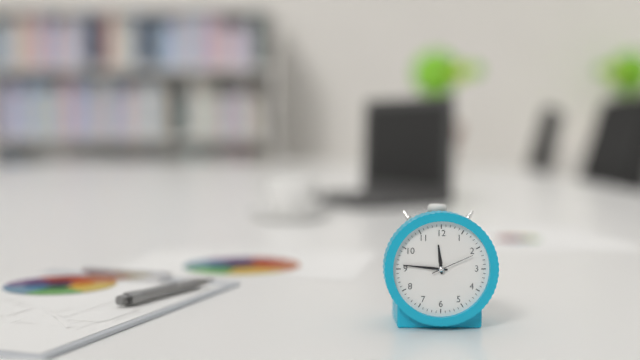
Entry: 11.46
